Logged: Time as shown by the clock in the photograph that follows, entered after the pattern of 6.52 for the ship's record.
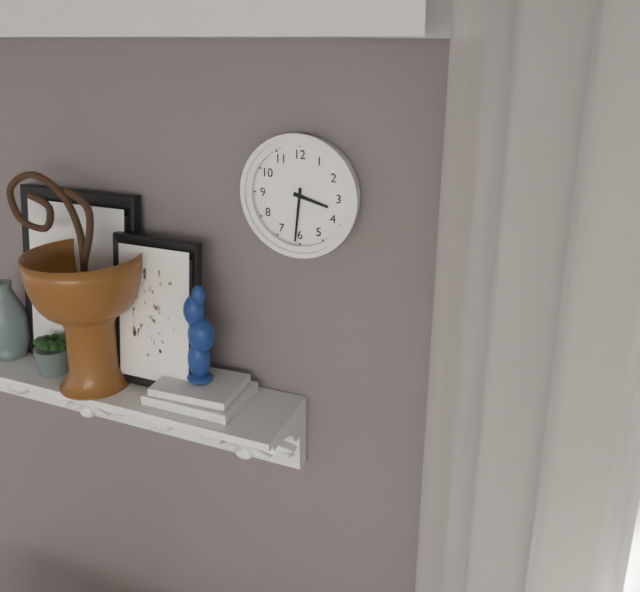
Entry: 3.31
